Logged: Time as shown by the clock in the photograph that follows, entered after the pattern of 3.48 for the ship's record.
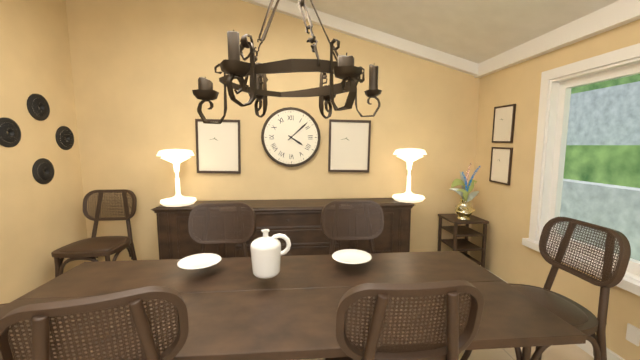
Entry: 4.08
